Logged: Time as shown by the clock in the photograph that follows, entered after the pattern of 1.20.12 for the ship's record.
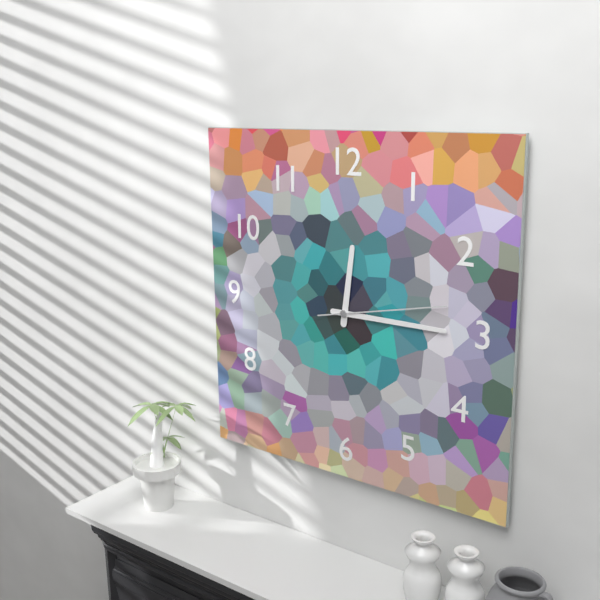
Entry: 12.15.13
